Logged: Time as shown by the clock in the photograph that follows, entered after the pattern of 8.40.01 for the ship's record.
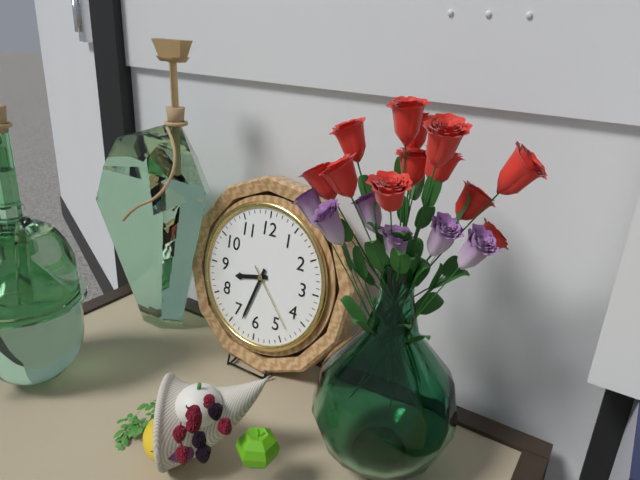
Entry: 8.33.23
